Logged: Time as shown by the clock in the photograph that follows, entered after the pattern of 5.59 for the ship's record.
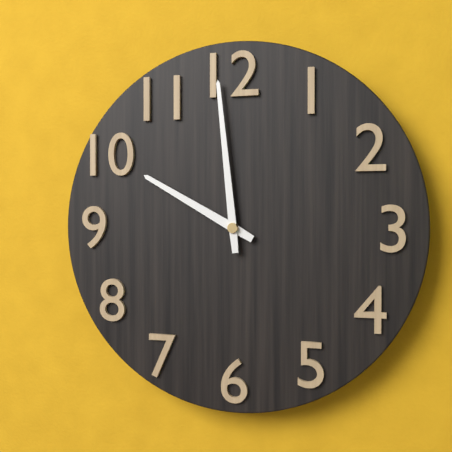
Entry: 9.59
